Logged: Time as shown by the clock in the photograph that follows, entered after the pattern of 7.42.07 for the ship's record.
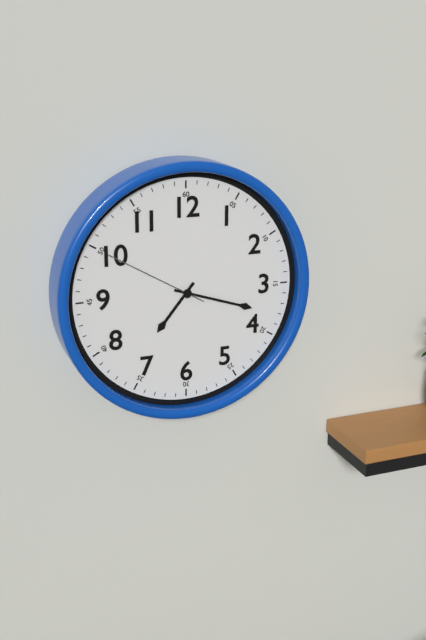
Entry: 7.18.50
